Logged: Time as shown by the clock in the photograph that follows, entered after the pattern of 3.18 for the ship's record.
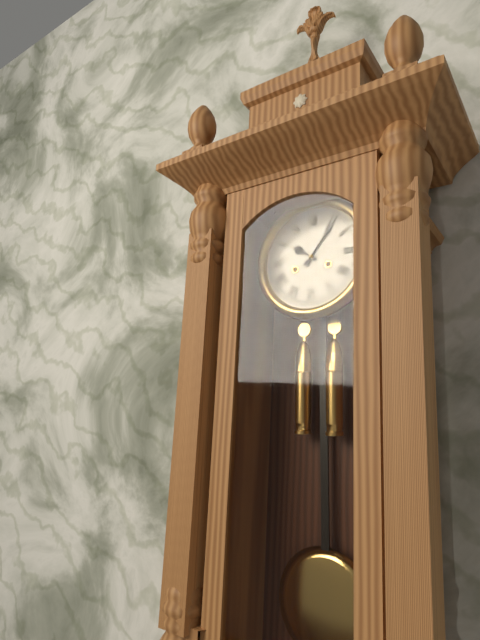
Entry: 10.06
